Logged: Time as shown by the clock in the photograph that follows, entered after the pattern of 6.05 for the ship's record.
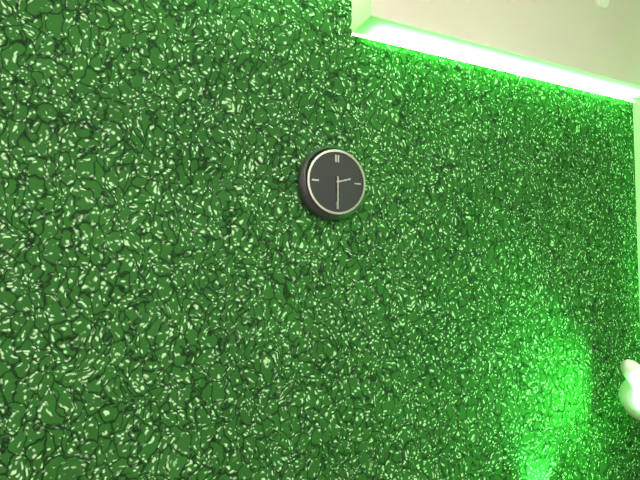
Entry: 2.30
